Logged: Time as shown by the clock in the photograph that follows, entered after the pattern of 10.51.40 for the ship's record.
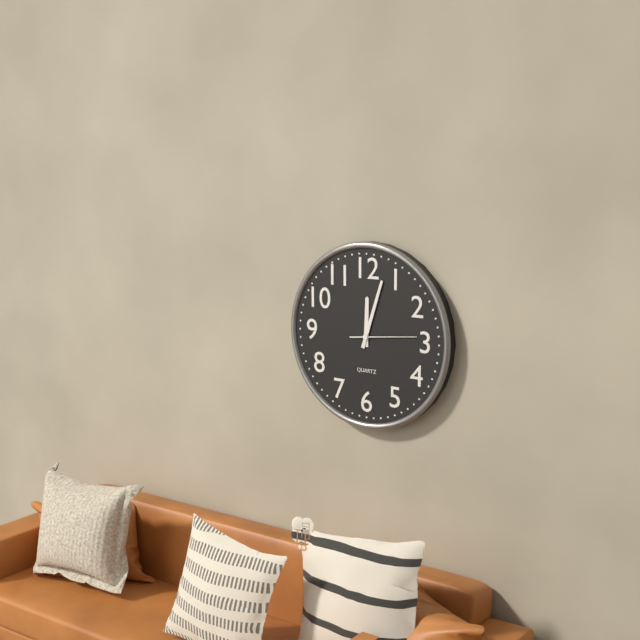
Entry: 12.03.14
